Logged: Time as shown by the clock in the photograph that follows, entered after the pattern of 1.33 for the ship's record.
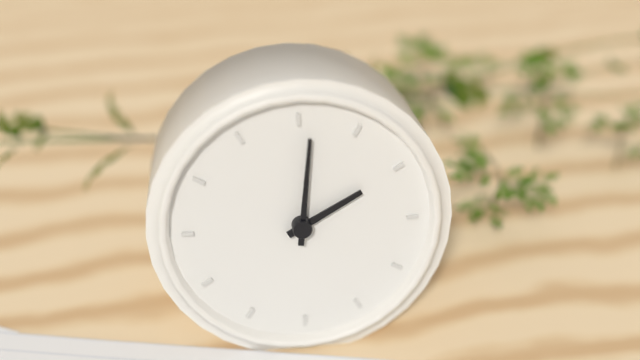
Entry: 2.01
